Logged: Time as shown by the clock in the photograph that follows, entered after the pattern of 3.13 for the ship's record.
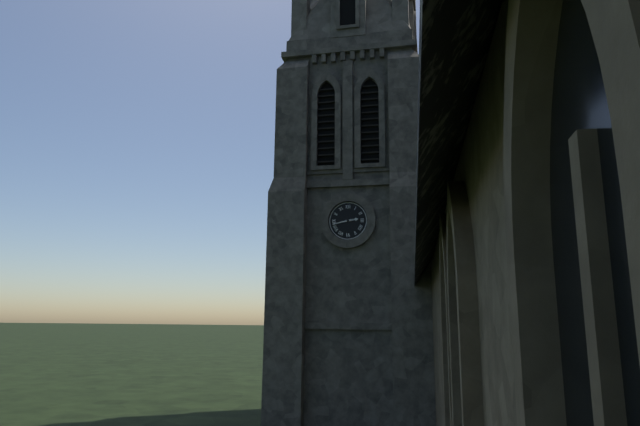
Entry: 2.43
